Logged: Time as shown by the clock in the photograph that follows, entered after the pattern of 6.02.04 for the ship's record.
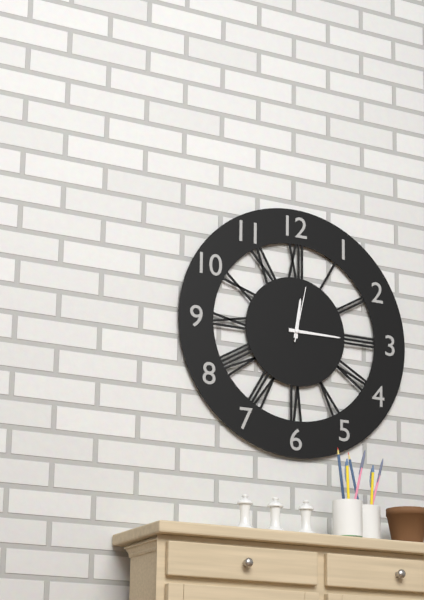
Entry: 12.15.02
